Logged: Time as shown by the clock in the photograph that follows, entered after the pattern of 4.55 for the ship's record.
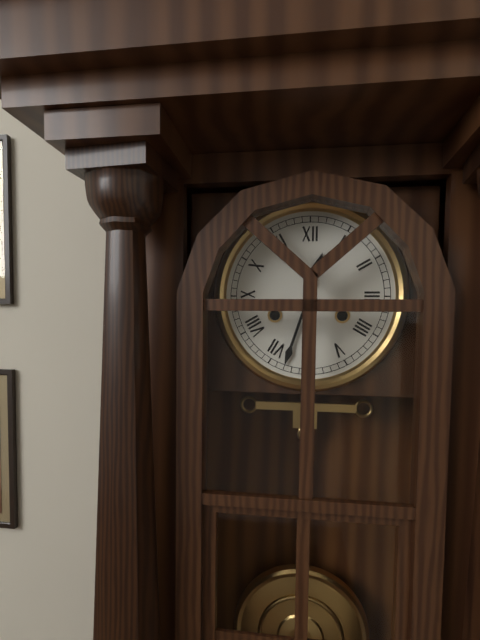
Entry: 12.33
